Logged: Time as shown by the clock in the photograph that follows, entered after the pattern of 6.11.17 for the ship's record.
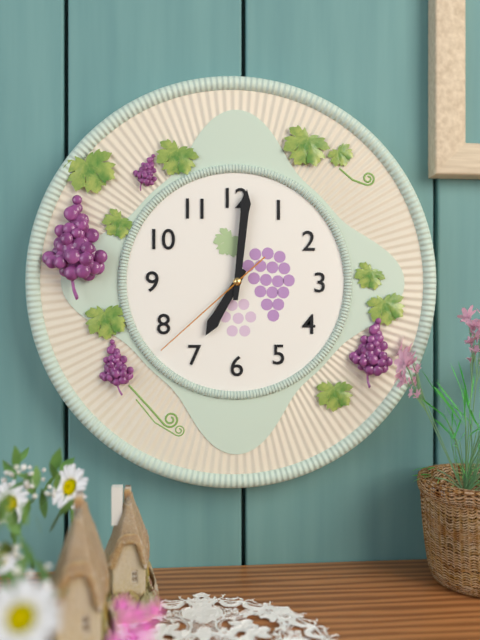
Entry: 7.01.38
